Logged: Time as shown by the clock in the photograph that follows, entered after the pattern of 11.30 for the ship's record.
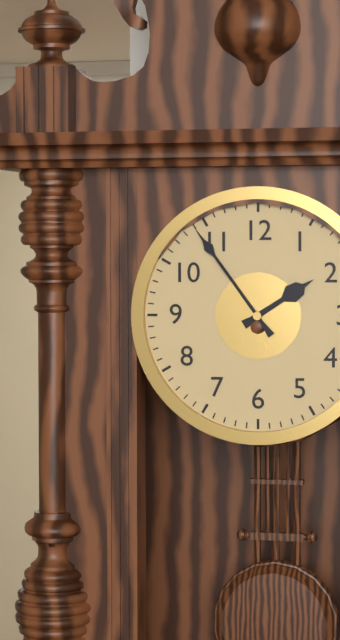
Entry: 1.54
